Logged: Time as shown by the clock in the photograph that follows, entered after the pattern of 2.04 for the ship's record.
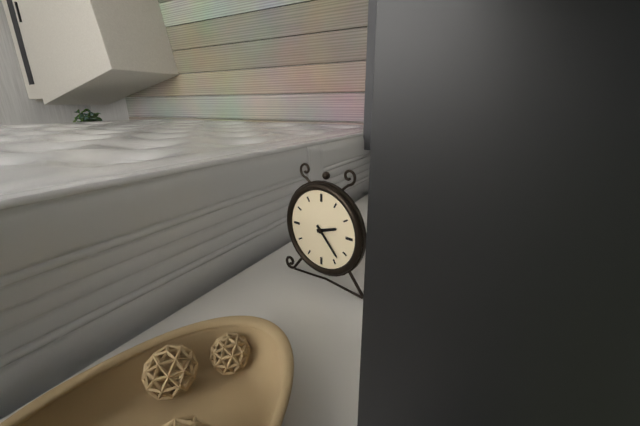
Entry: 2.23
